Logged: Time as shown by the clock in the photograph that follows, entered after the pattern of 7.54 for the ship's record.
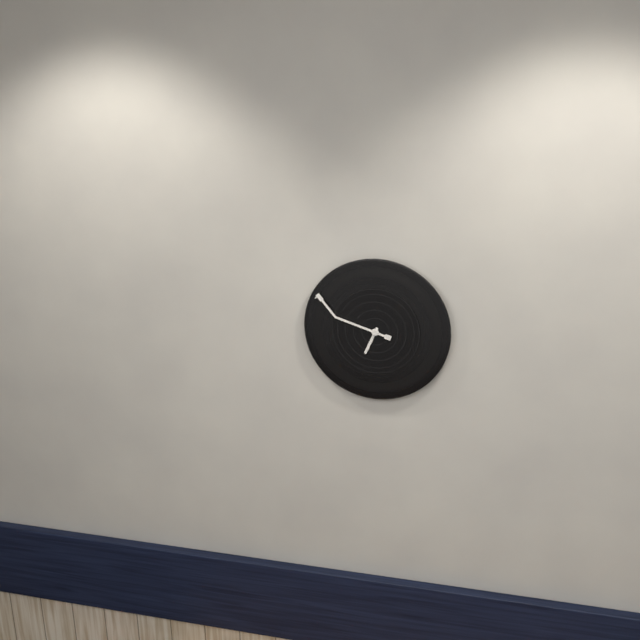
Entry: 6.48
